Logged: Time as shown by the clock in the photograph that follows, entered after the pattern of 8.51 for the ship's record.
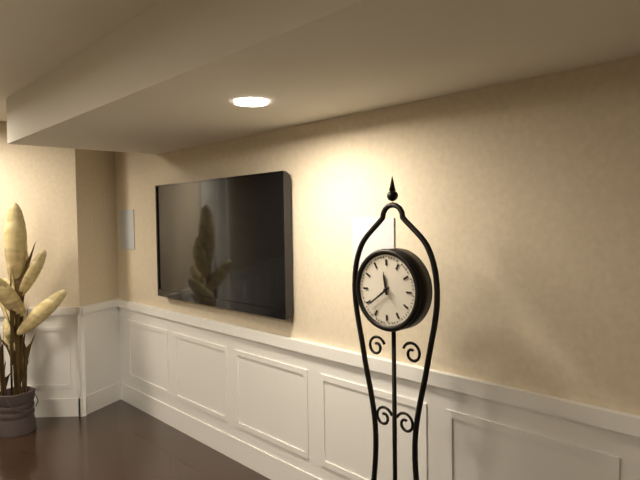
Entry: 11.39
